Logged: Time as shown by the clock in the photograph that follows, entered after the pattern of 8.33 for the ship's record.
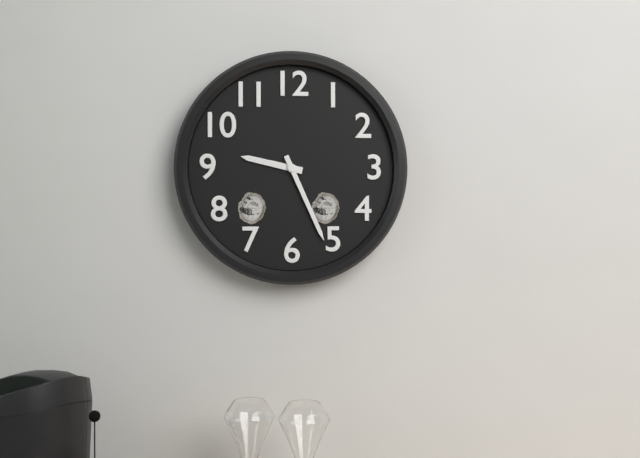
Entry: 9.26
